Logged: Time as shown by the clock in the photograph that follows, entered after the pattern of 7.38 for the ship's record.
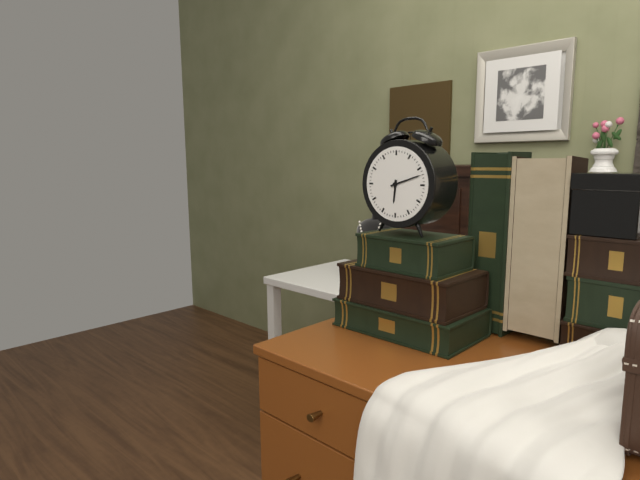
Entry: 6.12
